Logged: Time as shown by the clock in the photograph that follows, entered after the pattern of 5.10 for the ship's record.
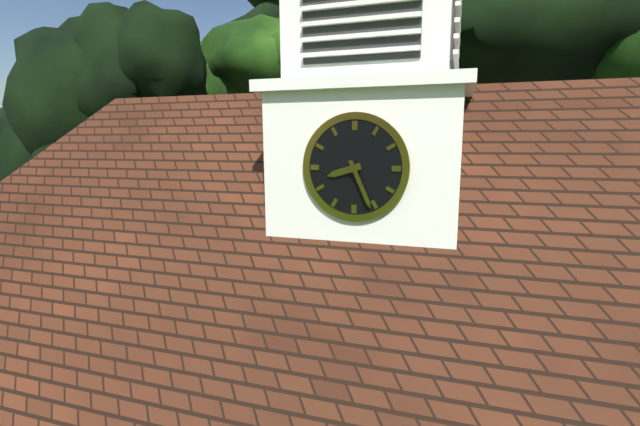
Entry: 8.26
